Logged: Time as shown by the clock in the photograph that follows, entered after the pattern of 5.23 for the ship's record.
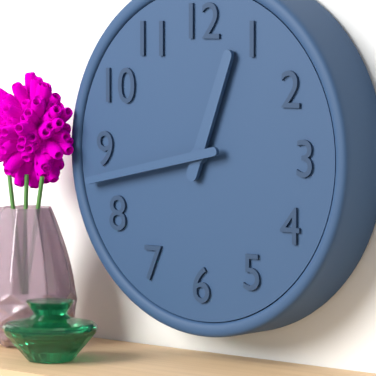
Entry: 12.43
